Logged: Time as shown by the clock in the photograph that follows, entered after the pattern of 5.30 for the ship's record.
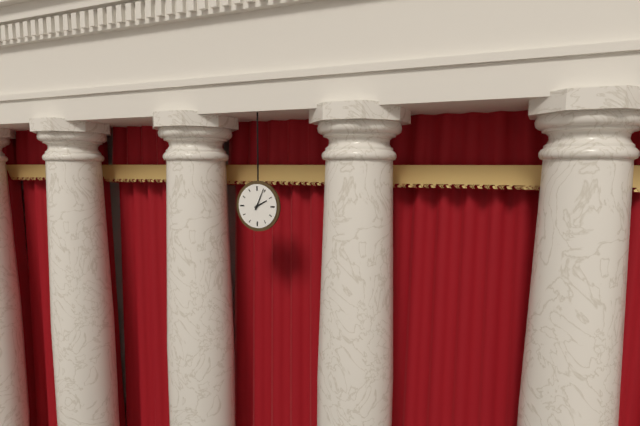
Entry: 2.04
